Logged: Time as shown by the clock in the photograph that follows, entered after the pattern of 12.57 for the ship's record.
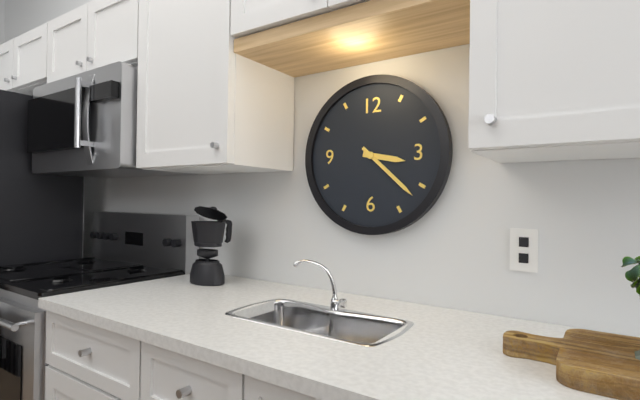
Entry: 3.22
